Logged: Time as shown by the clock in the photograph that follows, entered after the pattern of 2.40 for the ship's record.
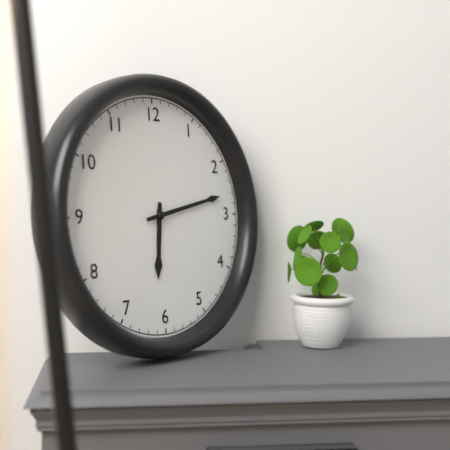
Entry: 6.13
